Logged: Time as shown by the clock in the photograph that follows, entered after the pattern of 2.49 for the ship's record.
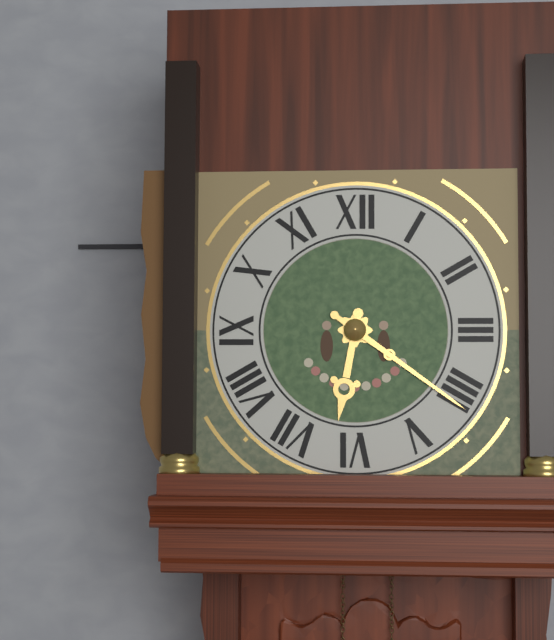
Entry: 6.21
